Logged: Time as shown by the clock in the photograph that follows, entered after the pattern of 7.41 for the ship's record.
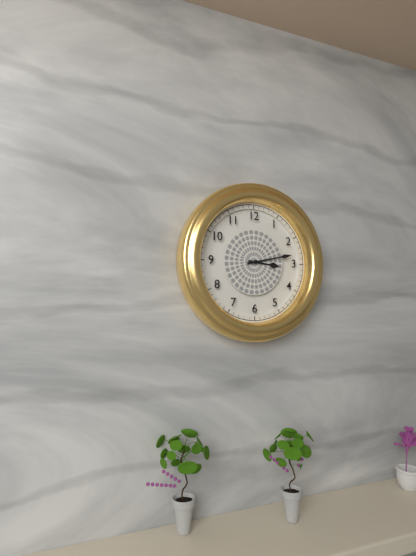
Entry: 3.13
